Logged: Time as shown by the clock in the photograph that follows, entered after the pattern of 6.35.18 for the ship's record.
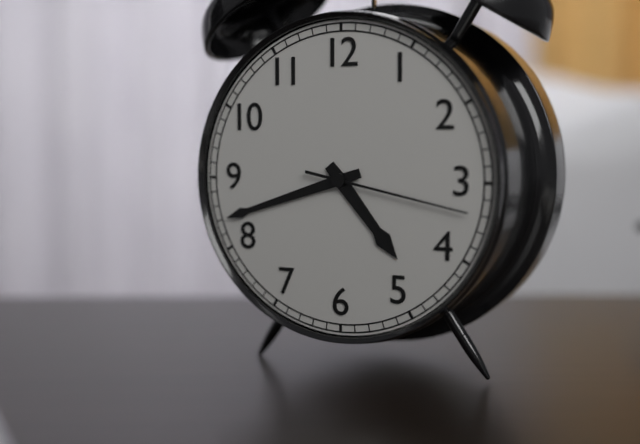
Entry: 4.42.17
